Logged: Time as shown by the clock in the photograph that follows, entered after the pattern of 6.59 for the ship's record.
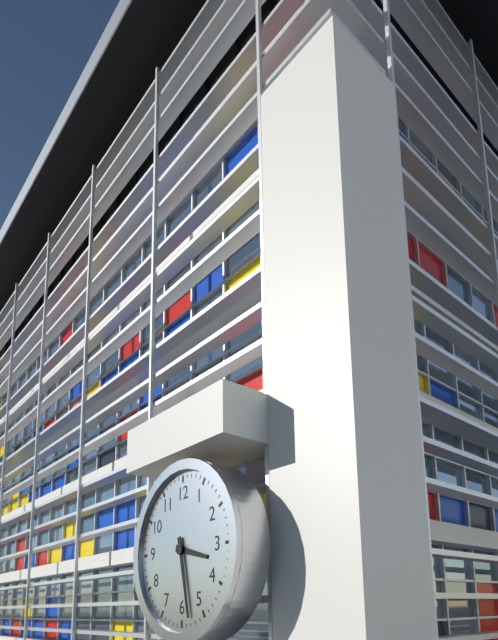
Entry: 3.28
